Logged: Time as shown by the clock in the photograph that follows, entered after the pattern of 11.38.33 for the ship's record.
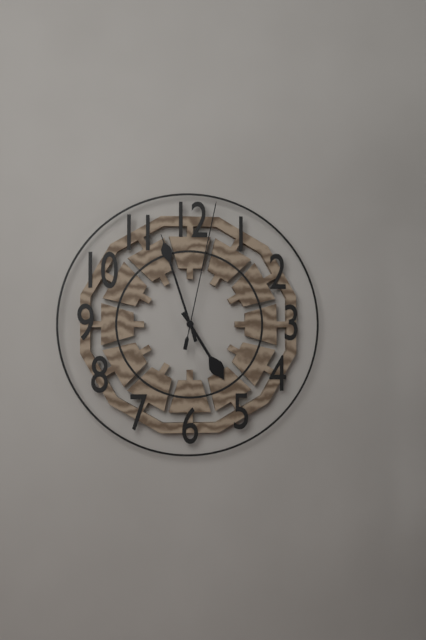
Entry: 4.57.02
